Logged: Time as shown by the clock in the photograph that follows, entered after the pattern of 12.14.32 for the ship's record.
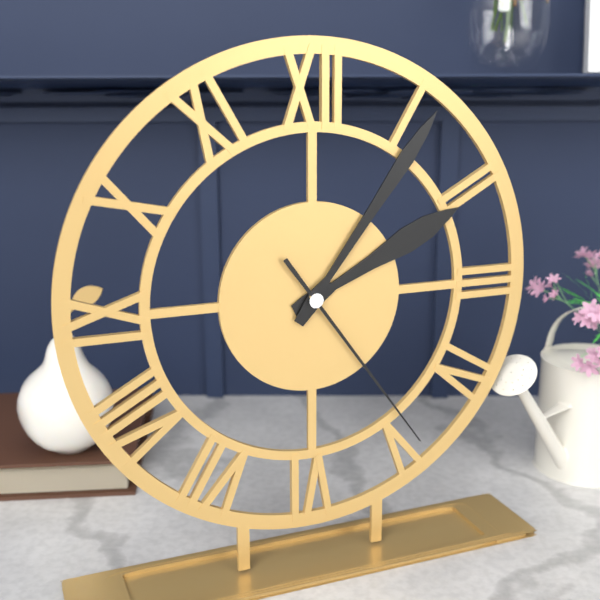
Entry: 2.06.24
